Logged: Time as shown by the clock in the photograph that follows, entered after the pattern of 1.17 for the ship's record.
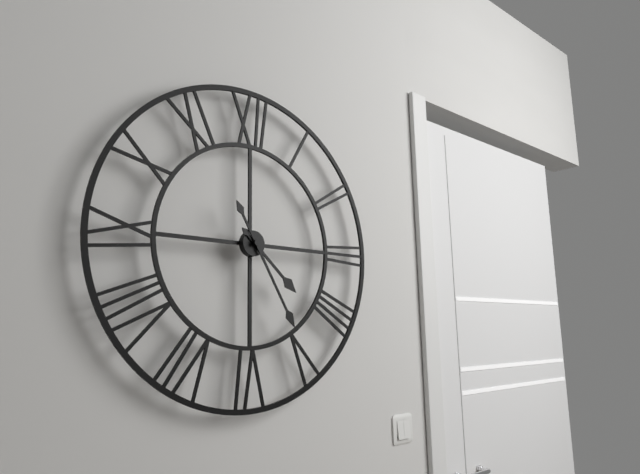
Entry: 4.25
